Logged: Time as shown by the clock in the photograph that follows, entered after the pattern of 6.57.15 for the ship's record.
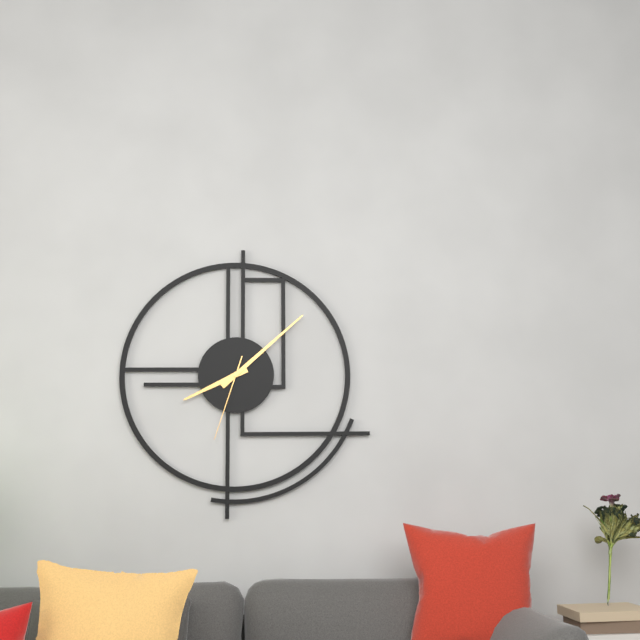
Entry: 8.08.33
